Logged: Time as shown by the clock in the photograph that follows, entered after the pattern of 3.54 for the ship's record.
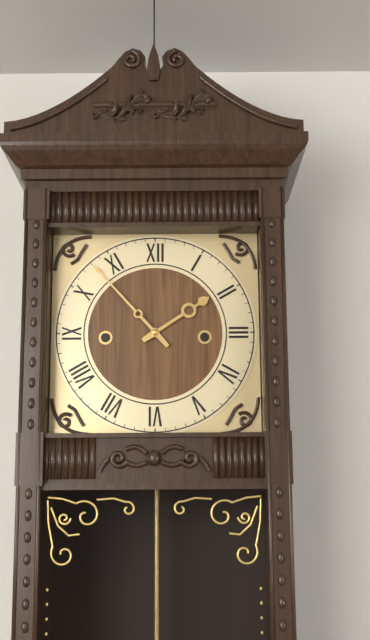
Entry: 1.53
